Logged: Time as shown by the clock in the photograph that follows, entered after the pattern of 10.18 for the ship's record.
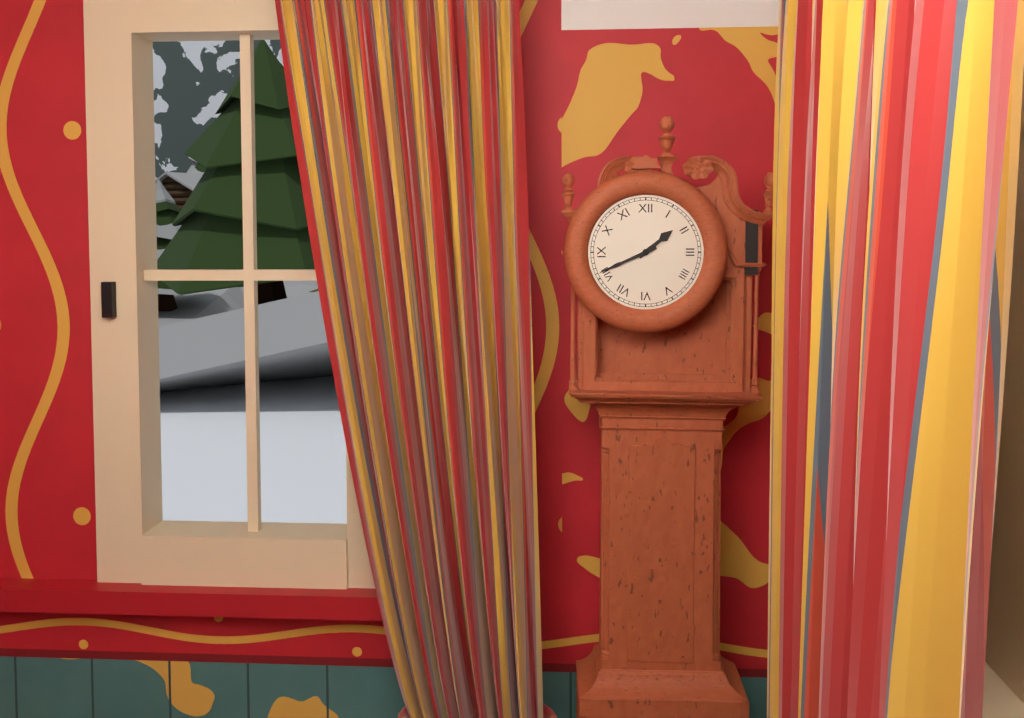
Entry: 1.41
